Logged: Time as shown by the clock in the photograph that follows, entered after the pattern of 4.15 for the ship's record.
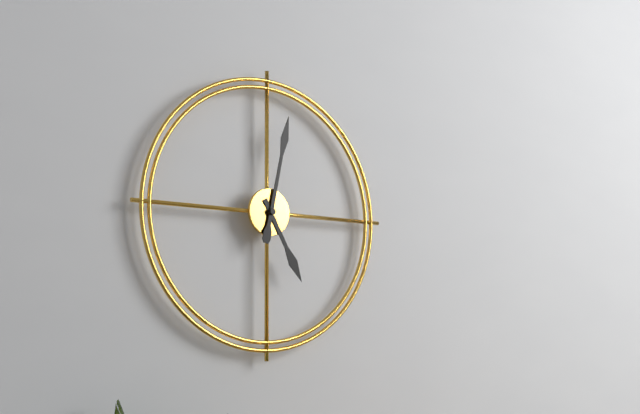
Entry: 5.02
